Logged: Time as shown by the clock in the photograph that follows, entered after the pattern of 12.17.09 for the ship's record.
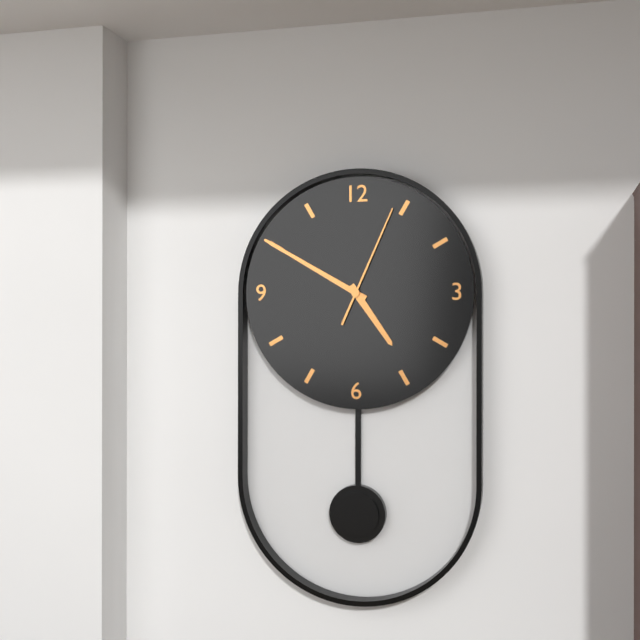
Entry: 4.50.04
